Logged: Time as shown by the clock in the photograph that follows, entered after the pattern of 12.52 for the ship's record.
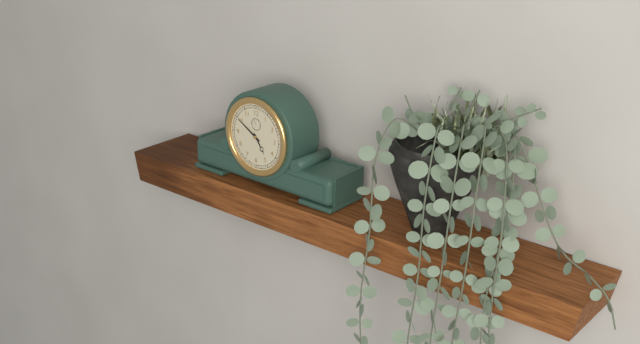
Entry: 4.50
